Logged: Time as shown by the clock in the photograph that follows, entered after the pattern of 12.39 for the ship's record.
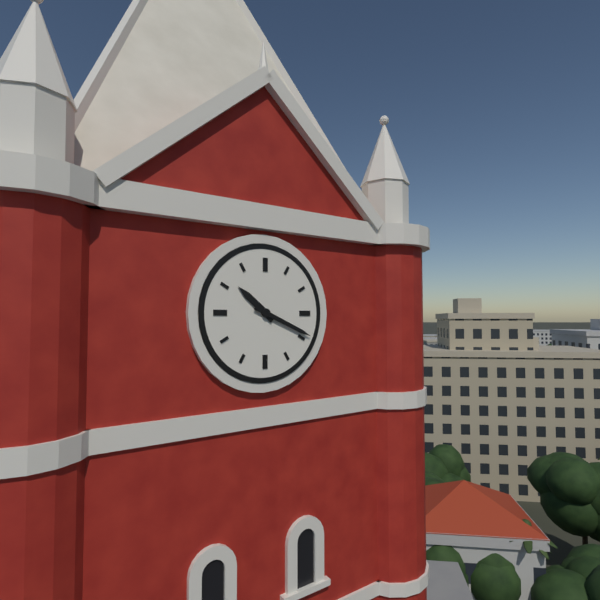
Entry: 10.19
